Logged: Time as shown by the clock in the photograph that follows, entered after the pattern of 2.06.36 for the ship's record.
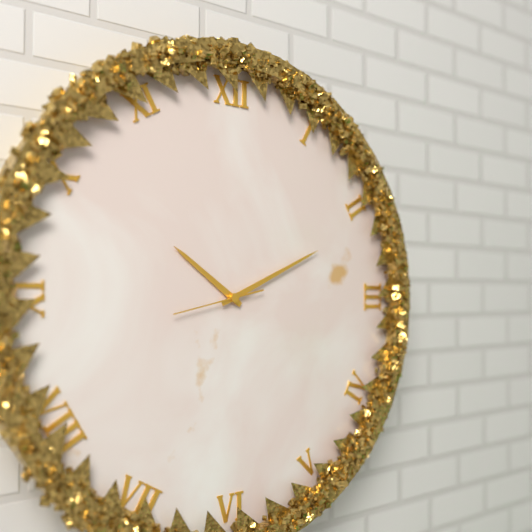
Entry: 10.11.43
